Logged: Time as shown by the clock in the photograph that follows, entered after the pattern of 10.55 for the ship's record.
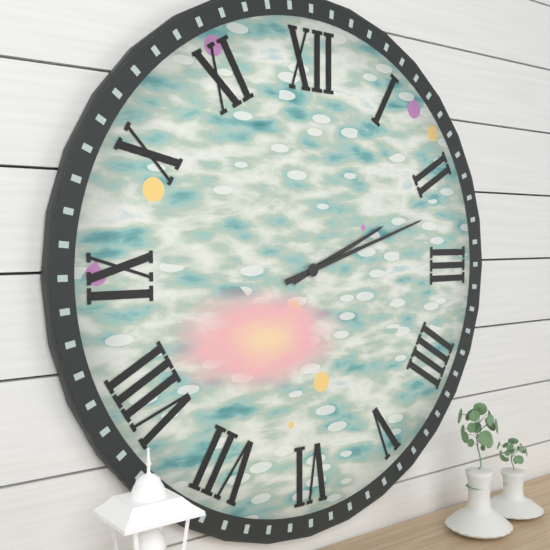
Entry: 2.12
